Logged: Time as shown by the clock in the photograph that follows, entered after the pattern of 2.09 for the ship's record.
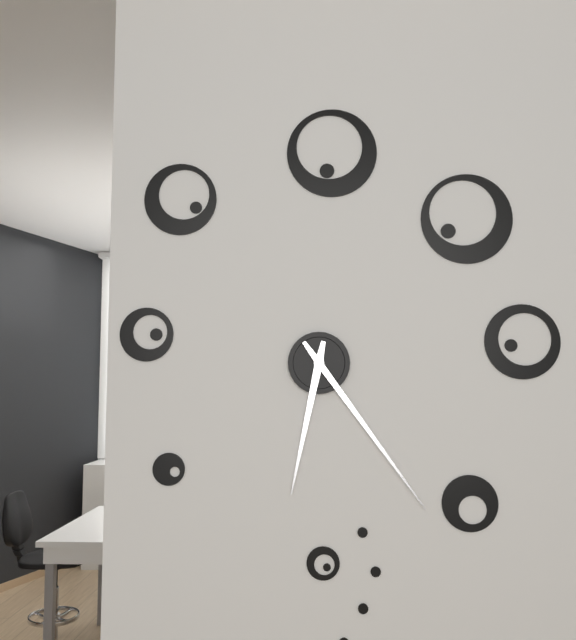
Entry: 6.24
